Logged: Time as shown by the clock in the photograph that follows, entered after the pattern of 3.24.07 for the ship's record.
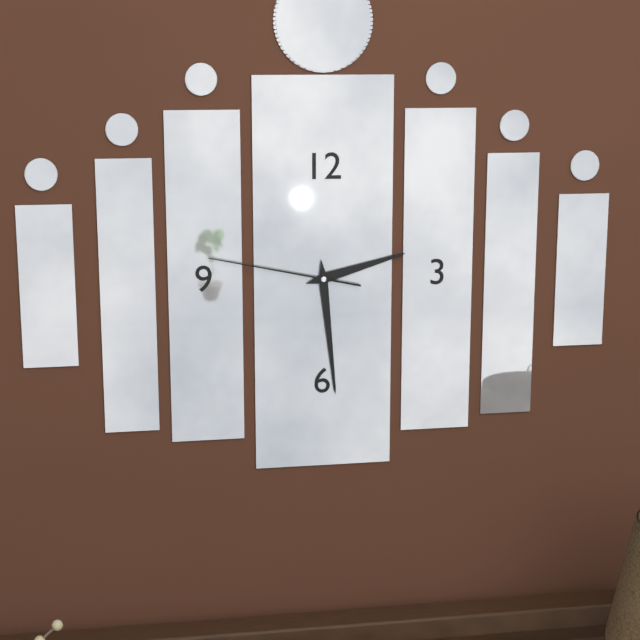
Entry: 2.29.47
